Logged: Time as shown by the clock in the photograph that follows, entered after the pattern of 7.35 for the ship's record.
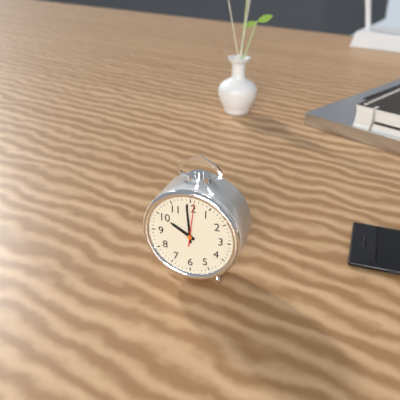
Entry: 9.59
